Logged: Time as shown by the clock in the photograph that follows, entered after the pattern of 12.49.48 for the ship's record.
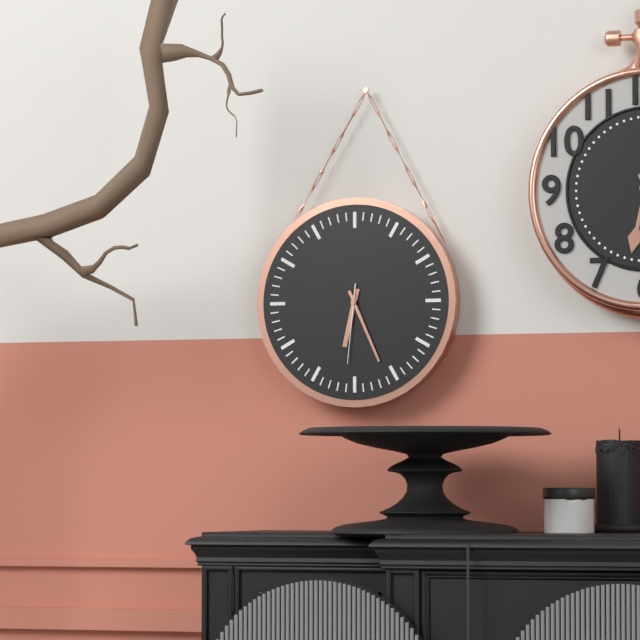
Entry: 6.26.31
